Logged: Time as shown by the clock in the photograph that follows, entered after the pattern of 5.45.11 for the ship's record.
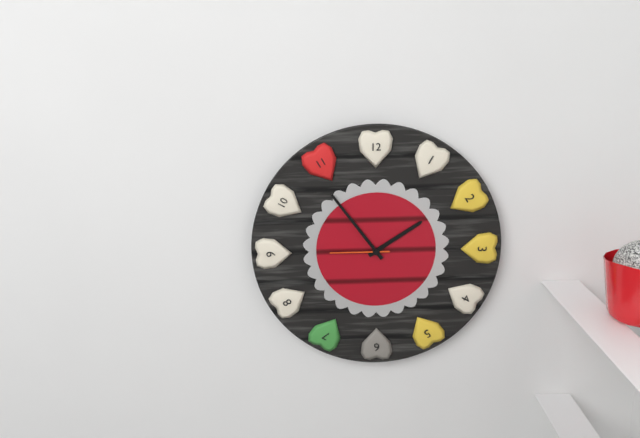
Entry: 1.54.45
